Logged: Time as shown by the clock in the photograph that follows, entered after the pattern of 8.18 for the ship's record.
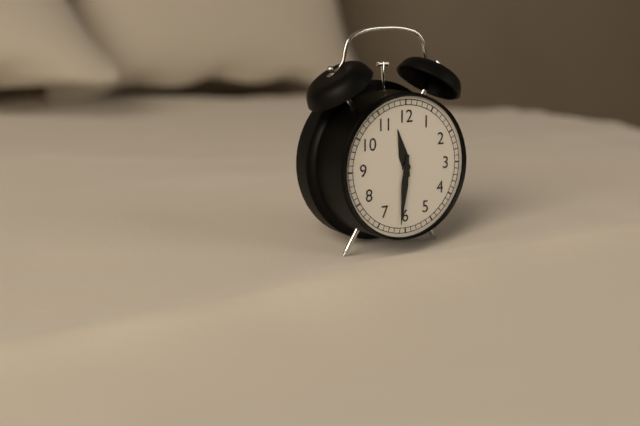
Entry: 11.31
